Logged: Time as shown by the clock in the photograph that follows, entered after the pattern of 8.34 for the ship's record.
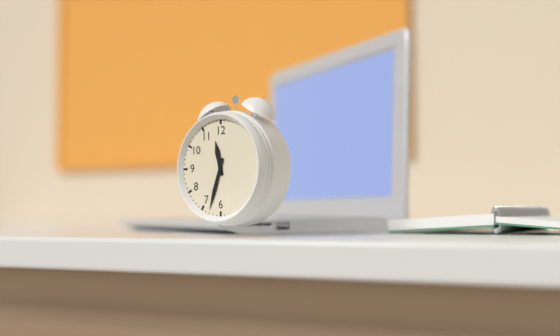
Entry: 11.33
